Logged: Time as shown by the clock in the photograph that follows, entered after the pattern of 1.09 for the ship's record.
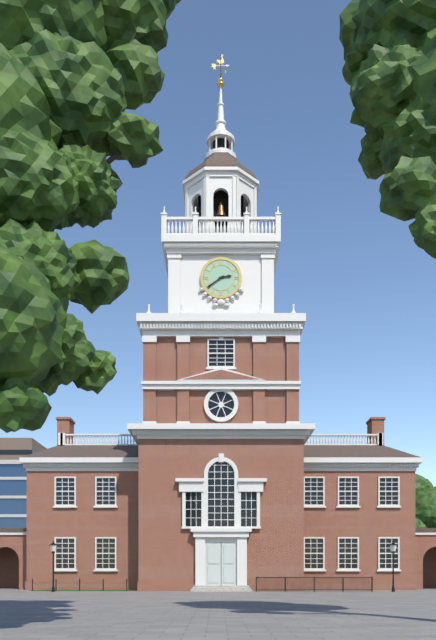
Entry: 2.39
